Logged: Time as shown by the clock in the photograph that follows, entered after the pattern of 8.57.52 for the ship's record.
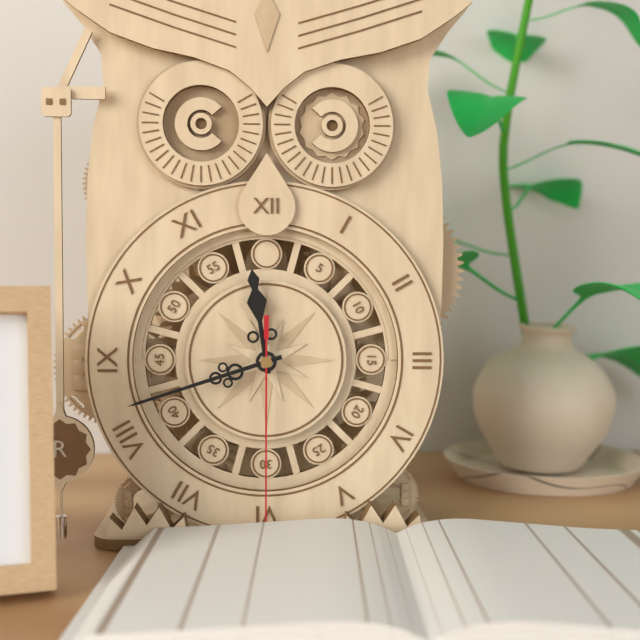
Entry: 11.42.30
